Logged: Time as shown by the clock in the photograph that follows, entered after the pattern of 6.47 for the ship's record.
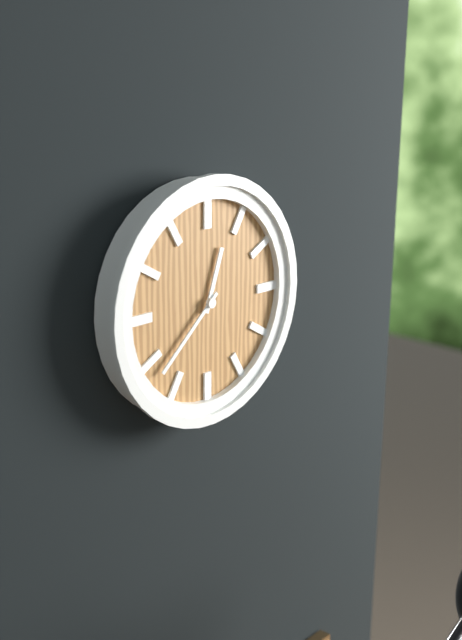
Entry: 12.38
